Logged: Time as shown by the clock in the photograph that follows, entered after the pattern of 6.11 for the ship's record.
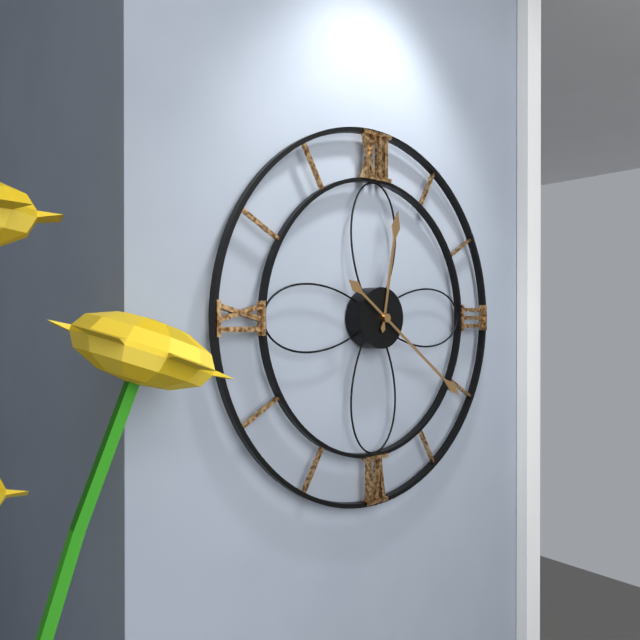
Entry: 12.21
